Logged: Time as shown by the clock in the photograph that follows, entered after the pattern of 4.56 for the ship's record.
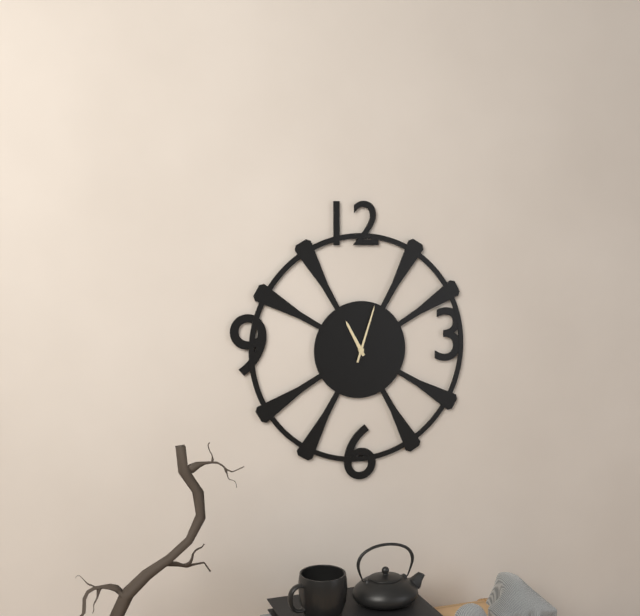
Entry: 11.03
